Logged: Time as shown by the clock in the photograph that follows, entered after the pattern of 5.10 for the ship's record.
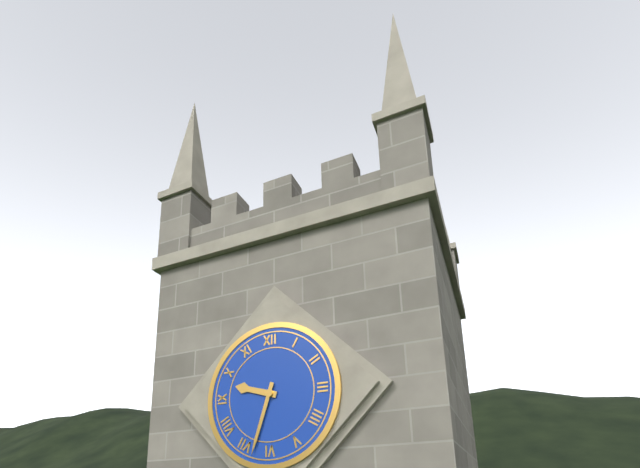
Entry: 9.33
